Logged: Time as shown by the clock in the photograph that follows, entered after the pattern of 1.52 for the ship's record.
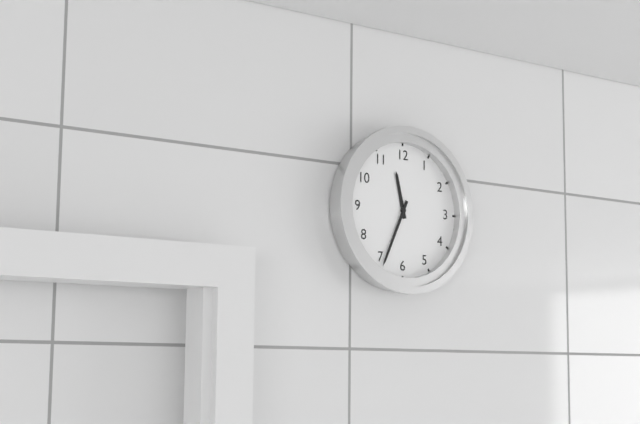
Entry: 11.34
